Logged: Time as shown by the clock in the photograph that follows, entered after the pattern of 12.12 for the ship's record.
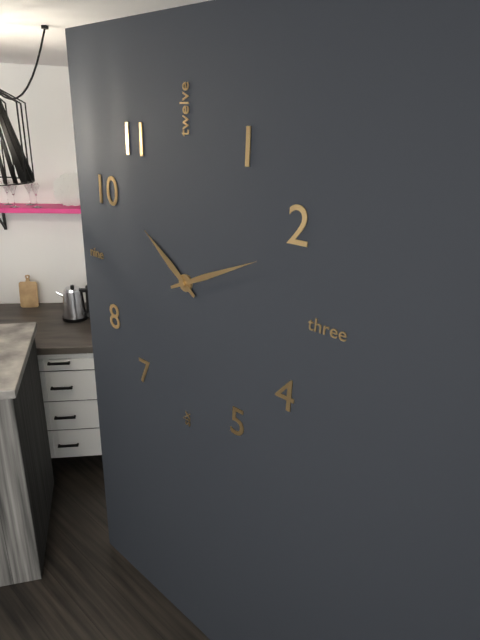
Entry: 10.11
